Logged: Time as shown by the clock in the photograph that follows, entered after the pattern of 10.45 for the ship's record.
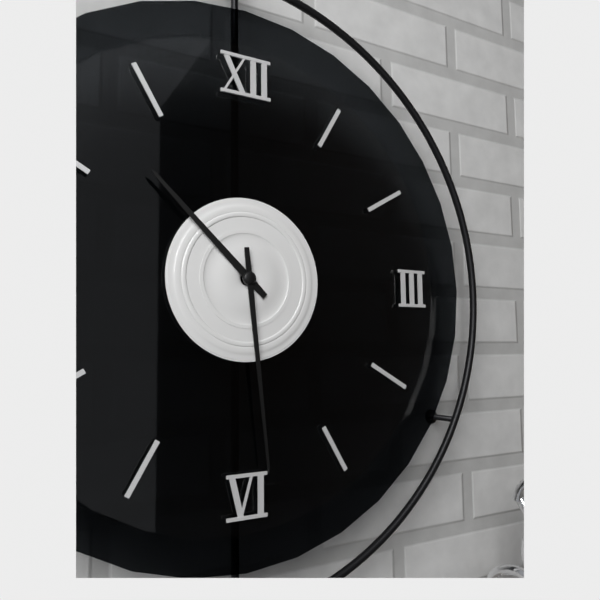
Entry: 10.29
